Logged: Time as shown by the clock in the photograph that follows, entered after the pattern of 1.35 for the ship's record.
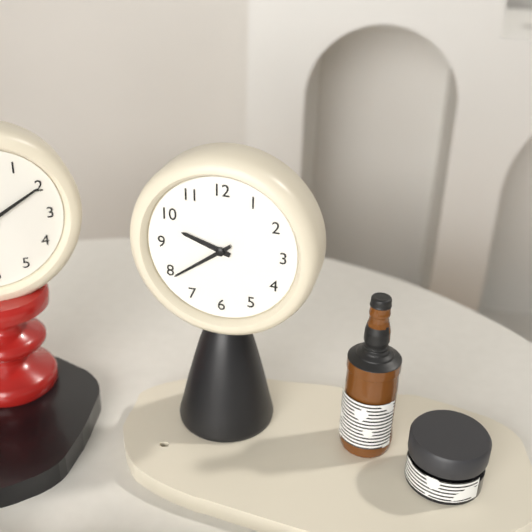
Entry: 9.39
